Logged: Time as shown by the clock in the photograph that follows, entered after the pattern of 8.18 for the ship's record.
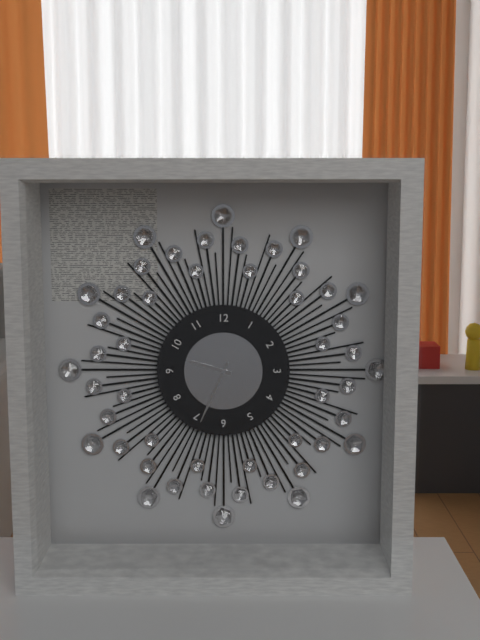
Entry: 9.34
